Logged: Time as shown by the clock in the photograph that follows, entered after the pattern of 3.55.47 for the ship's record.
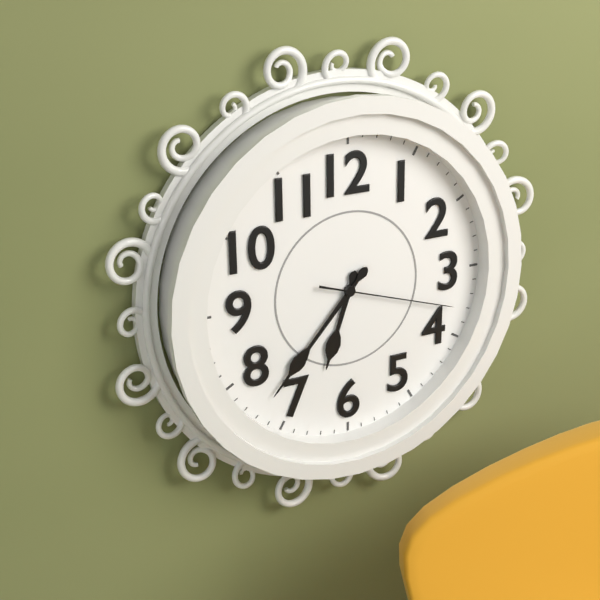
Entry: 6.37.18
